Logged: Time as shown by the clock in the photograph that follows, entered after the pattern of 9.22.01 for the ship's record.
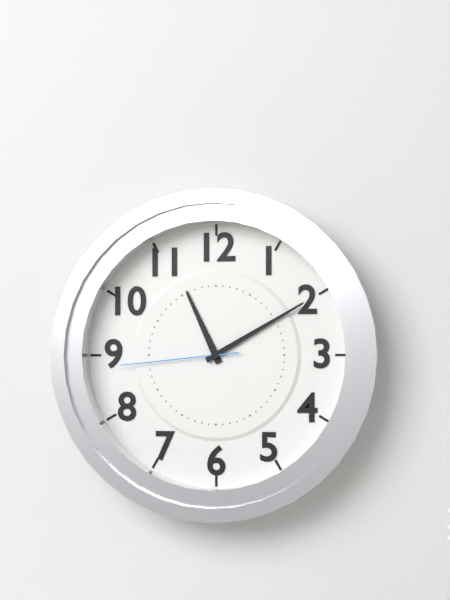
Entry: 11.10.44
